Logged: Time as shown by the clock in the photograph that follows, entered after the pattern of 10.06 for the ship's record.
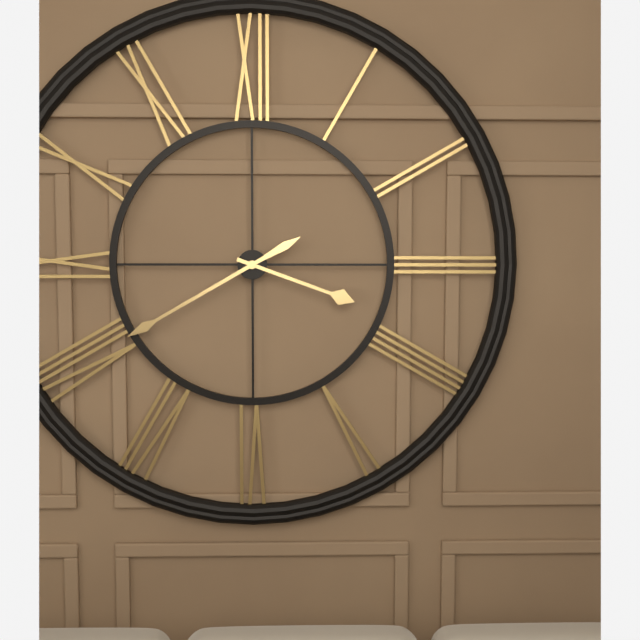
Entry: 3.40
